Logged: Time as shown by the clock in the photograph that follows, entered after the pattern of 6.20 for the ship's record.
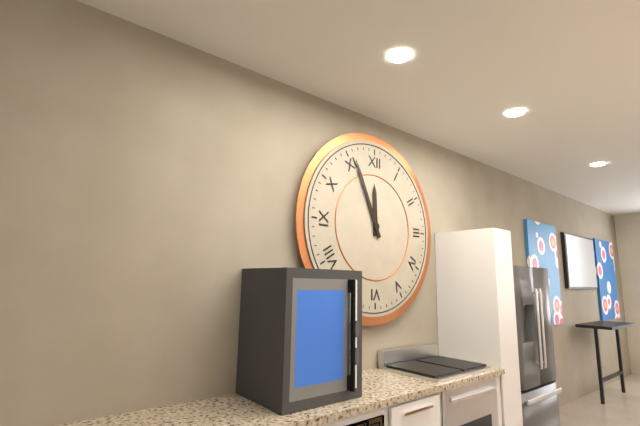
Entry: 11.56
